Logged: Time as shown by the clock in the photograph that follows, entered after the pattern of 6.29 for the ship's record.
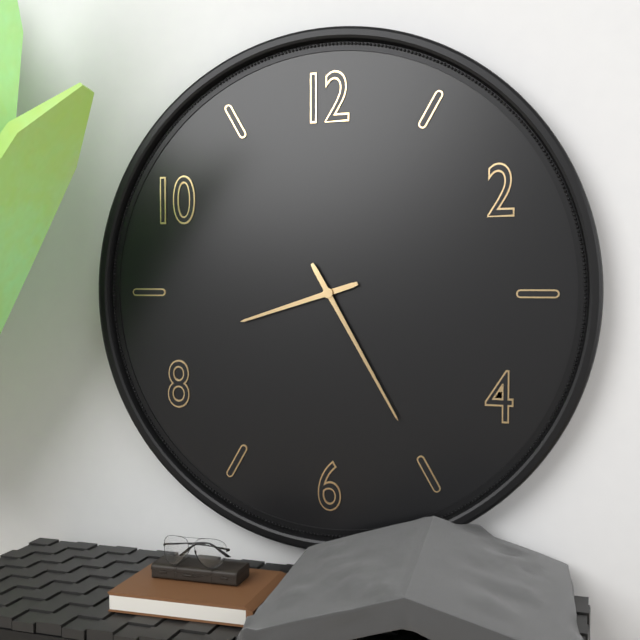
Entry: 8.25
